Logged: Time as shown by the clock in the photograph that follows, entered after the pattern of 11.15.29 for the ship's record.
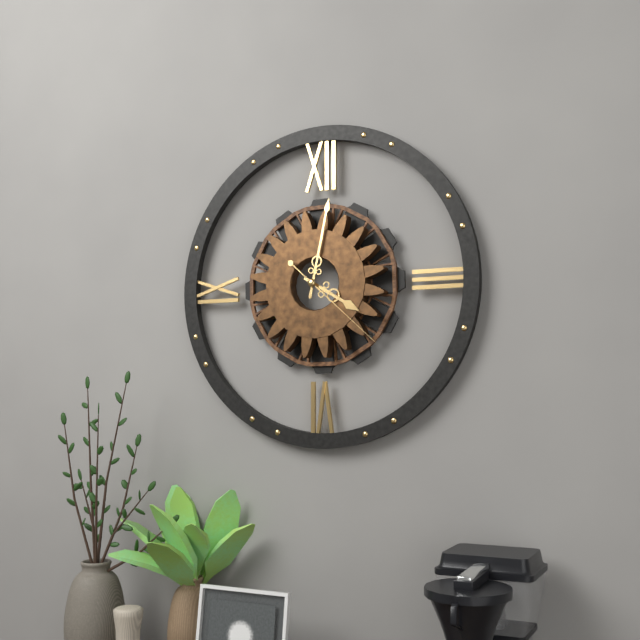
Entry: 4.02.22
